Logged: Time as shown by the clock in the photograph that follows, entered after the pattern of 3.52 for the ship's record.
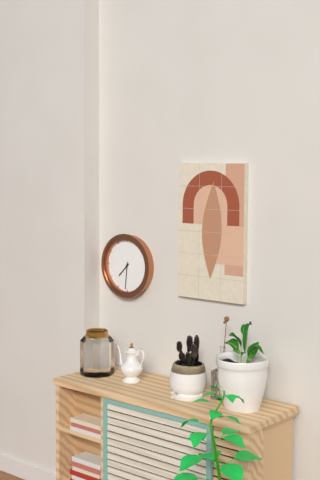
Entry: 7.31
